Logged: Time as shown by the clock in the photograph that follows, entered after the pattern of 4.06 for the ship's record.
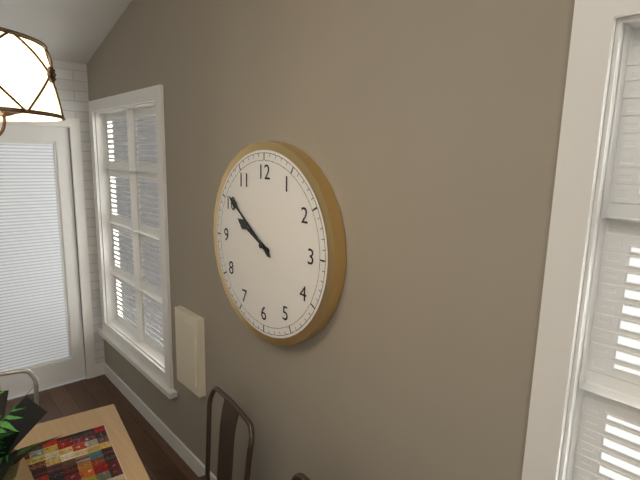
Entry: 9.51
